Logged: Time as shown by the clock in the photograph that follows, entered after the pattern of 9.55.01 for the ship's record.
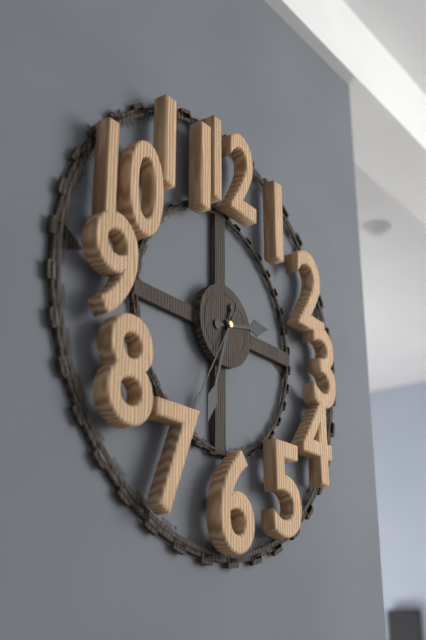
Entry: 2.33.35
